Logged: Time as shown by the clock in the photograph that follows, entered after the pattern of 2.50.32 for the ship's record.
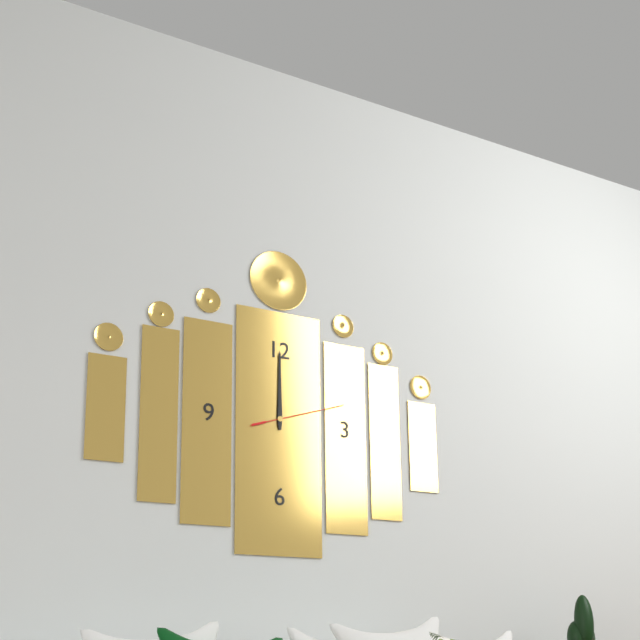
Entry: 12.00.12
